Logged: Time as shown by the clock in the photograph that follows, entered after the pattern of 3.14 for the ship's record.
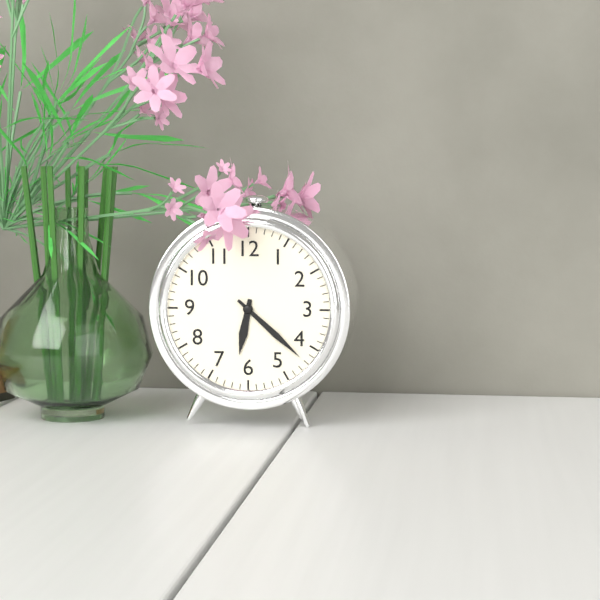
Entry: 6.22
